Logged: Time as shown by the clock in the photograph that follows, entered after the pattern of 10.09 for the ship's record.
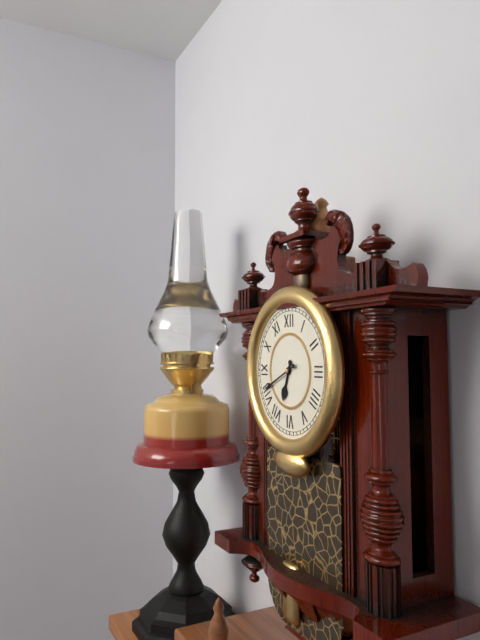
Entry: 6.41
